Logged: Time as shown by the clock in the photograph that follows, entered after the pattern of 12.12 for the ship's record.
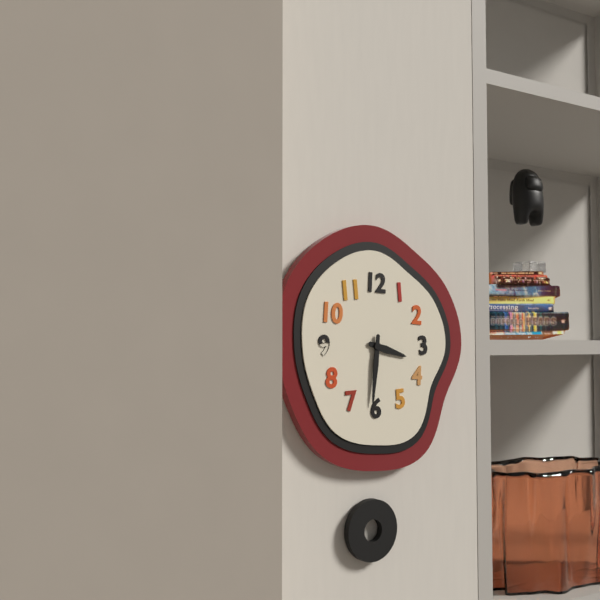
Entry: 3.31
